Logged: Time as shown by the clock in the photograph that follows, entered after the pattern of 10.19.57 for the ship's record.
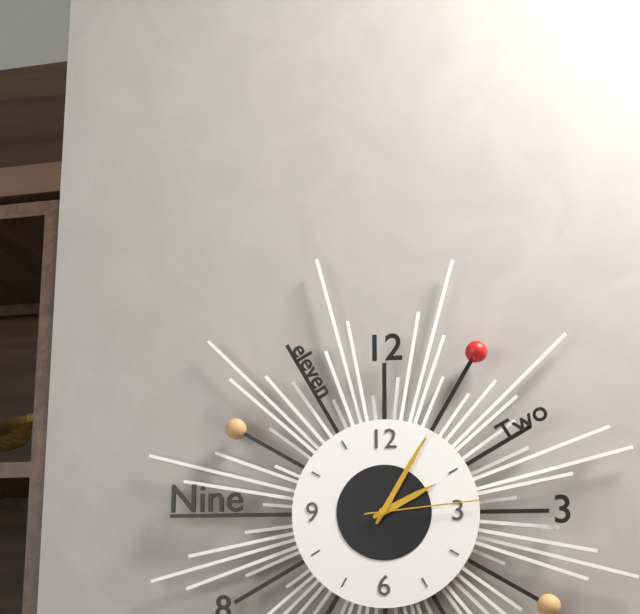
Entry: 2.05.14
